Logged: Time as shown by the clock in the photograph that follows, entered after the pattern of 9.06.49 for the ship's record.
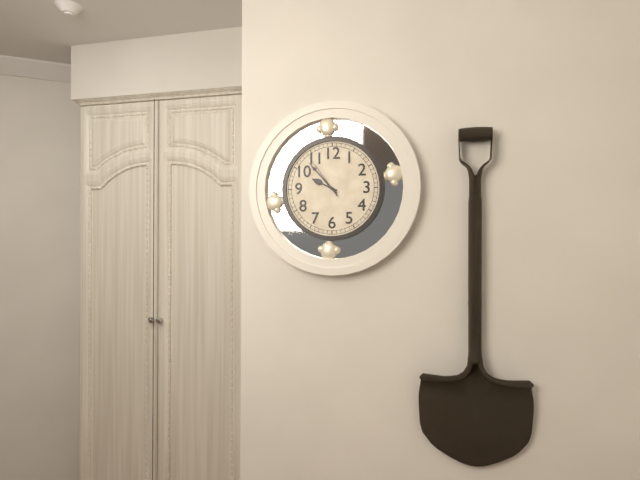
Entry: 9.53.54
